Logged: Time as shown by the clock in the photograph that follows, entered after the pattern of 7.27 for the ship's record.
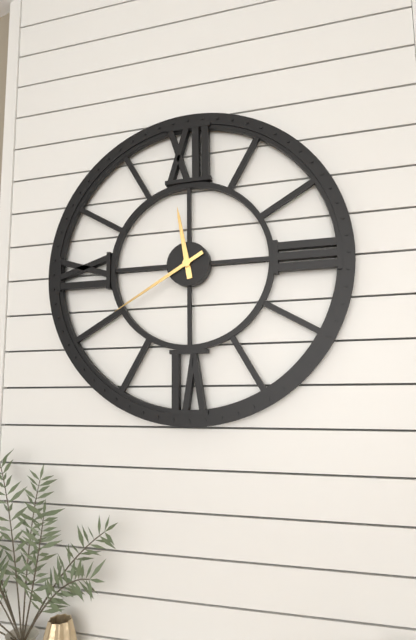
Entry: 11.40
